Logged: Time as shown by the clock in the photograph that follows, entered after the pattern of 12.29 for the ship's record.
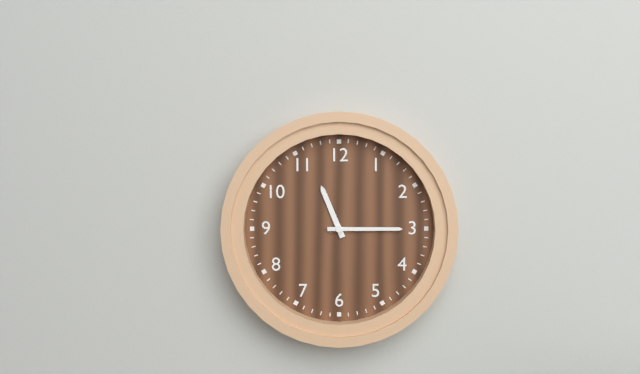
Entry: 11.15
